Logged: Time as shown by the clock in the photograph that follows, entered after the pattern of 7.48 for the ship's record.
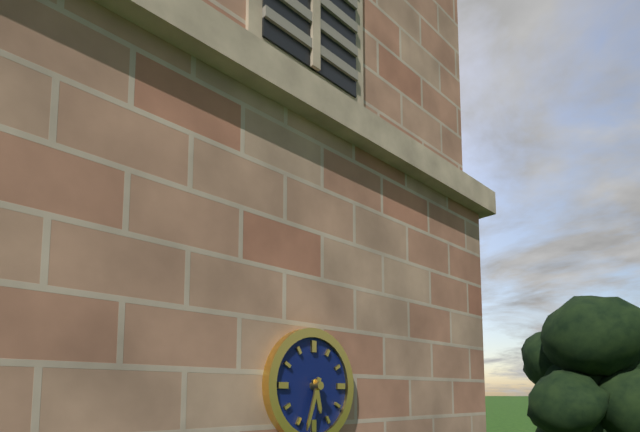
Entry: 5.33
